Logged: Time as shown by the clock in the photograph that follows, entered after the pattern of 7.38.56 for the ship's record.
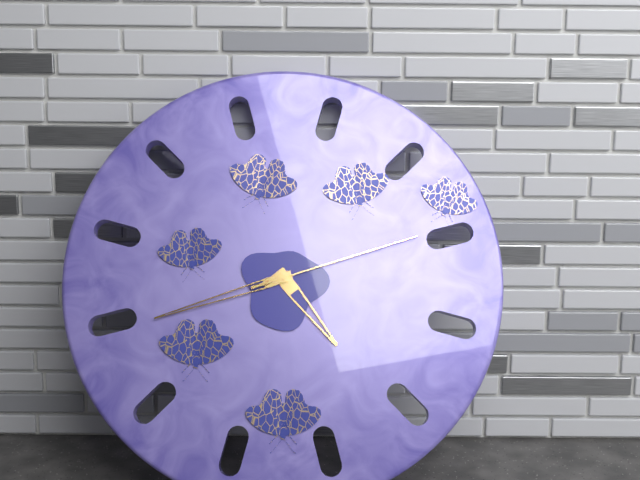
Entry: 4.42.12
